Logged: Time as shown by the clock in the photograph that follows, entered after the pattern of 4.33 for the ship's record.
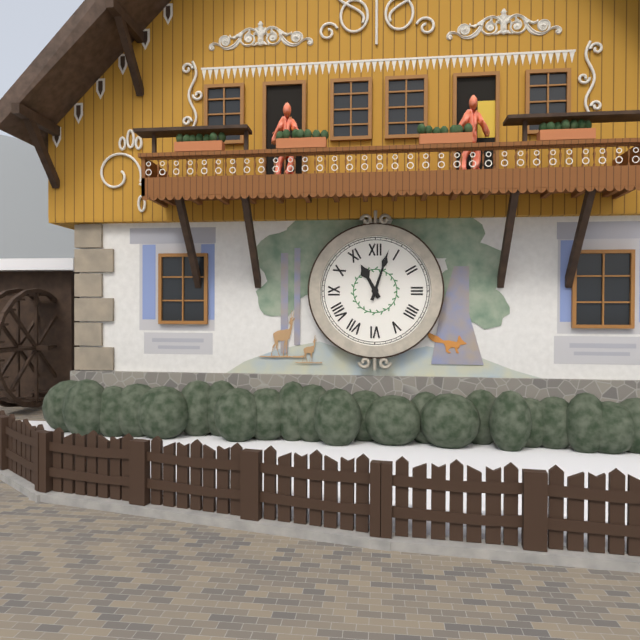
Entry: 11.03
